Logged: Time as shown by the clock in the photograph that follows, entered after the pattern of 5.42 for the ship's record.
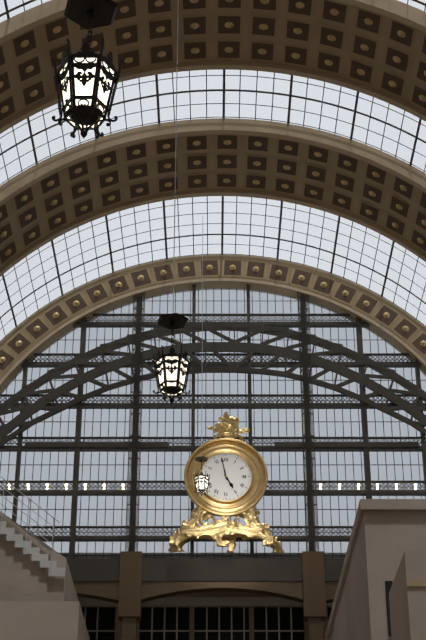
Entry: 4.58
